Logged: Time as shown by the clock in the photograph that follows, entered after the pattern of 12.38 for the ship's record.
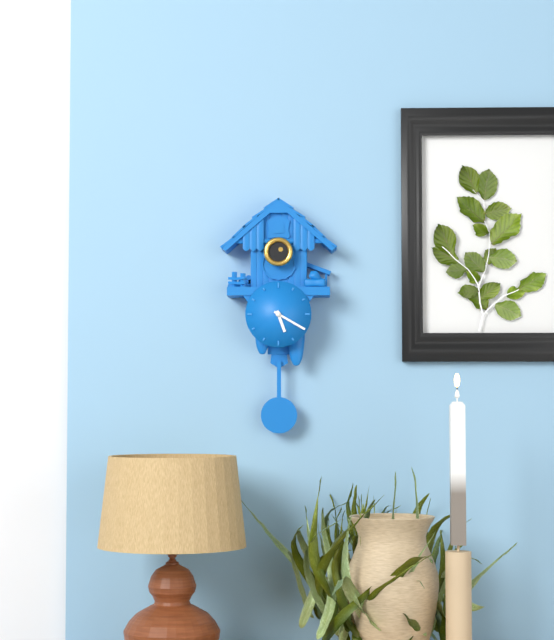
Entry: 5.20
